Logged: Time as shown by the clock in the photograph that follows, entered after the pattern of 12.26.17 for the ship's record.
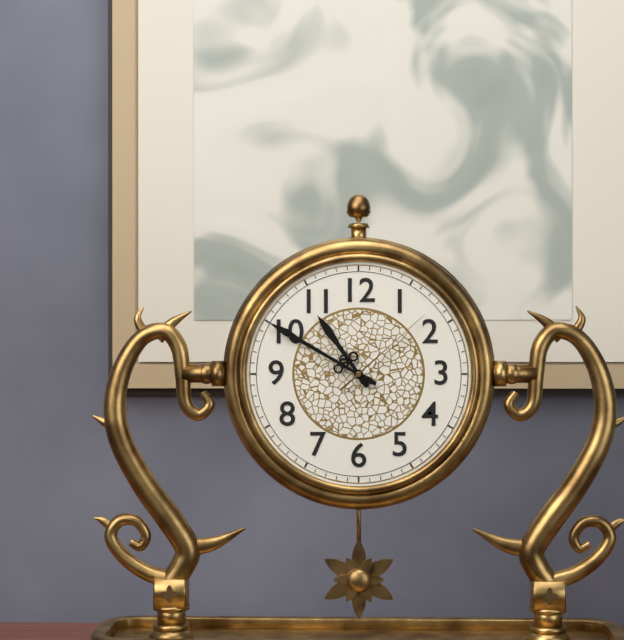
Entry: 10.50.08
